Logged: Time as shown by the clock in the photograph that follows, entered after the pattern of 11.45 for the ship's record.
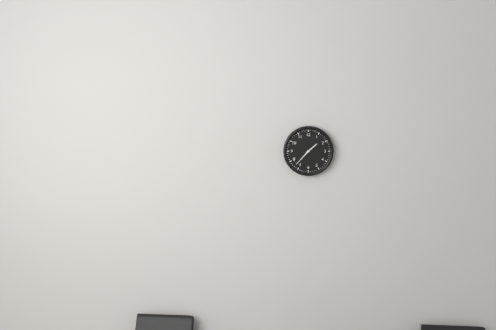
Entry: 1.37
